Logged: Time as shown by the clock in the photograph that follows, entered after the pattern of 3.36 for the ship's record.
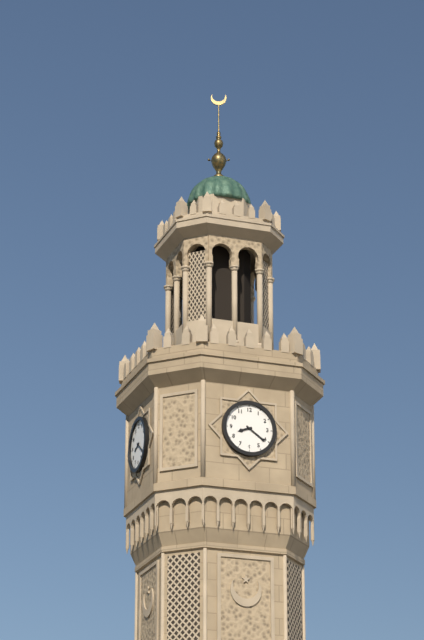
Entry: 8.21
